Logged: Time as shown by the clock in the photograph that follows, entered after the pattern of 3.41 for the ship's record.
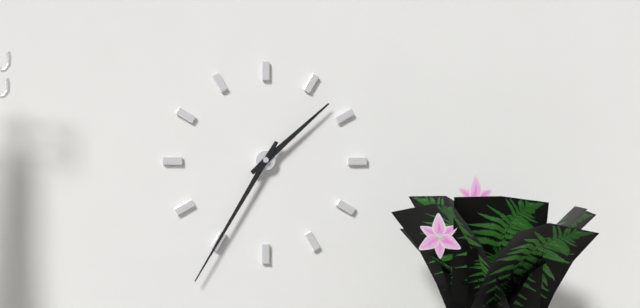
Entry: 1.35
